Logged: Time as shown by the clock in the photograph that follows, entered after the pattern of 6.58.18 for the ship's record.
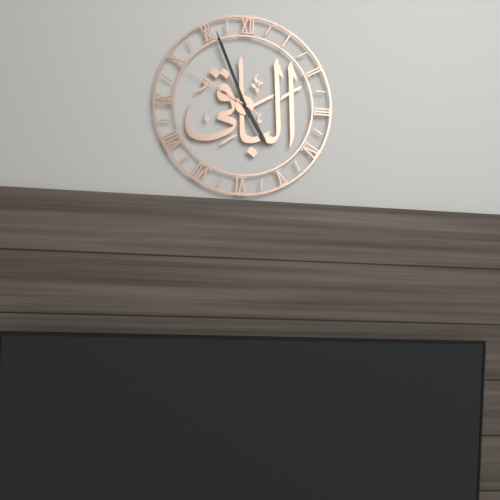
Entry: 4.56.50
